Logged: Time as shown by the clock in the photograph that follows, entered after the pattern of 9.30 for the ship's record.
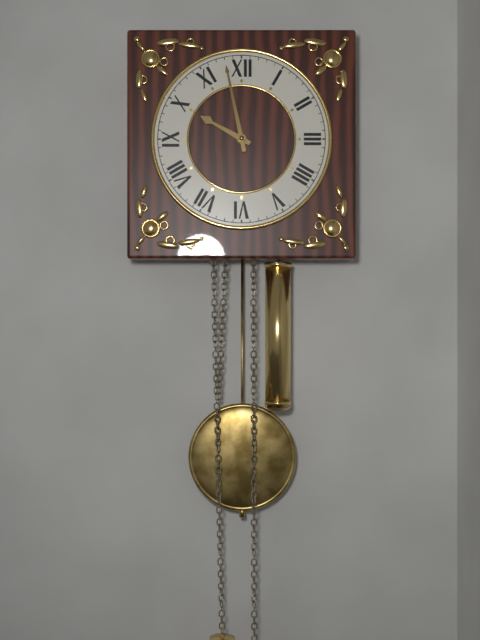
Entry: 9.58
